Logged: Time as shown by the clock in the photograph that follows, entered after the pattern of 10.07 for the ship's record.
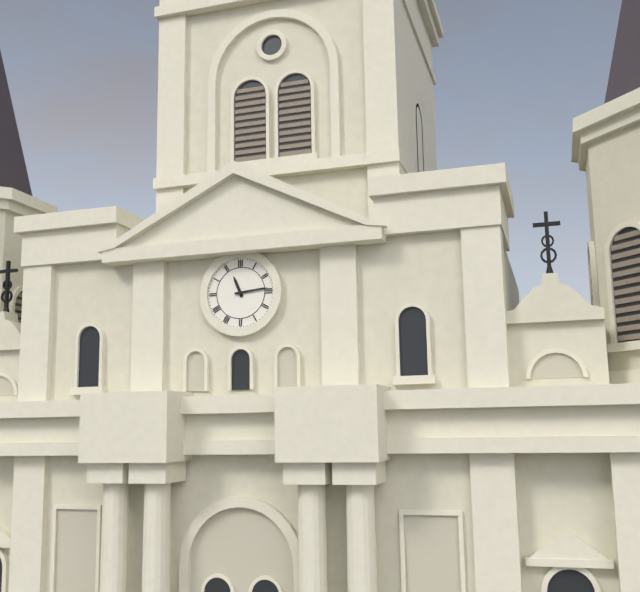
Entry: 11.14
